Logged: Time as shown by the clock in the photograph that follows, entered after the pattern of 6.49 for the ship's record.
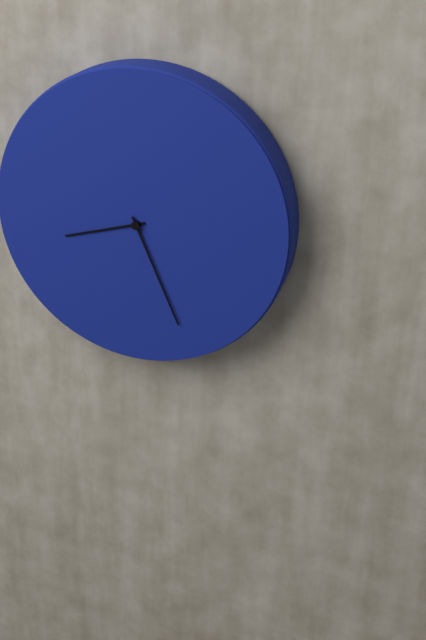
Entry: 8.26
